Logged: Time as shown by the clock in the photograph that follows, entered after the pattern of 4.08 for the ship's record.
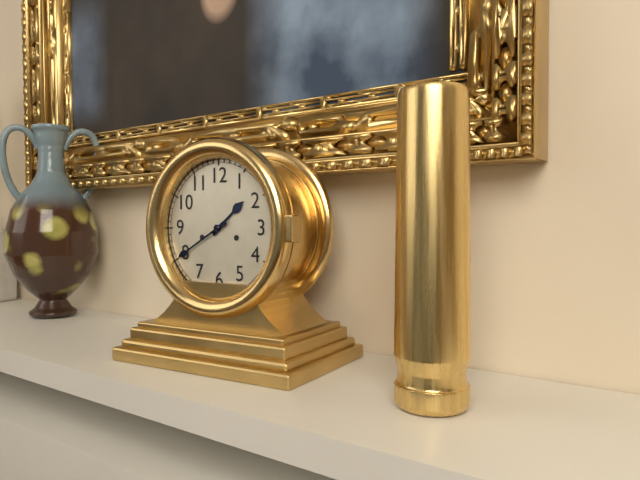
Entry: 1.40
